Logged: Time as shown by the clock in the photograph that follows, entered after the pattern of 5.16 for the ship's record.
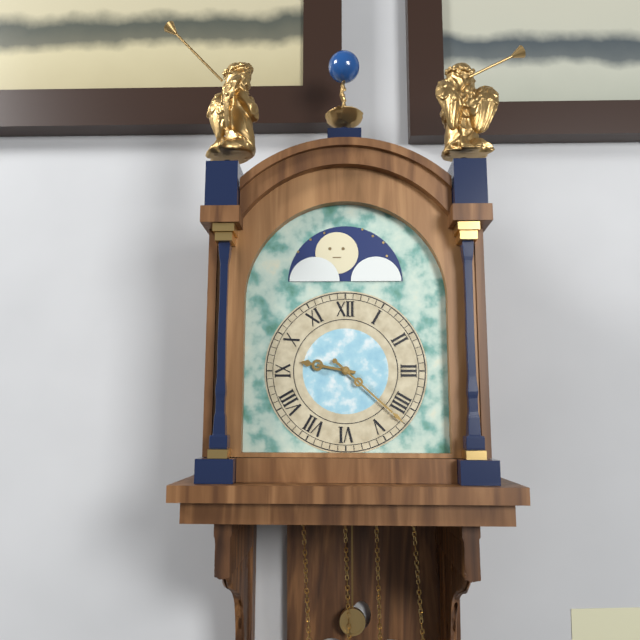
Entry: 9.22
